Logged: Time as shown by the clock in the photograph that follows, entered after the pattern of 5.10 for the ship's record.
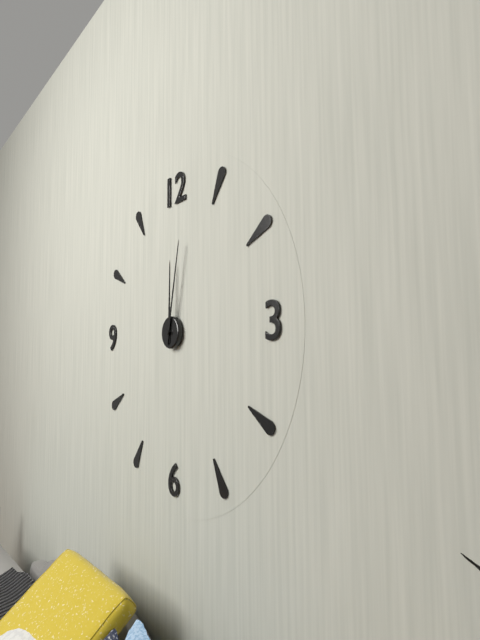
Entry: 12.02
